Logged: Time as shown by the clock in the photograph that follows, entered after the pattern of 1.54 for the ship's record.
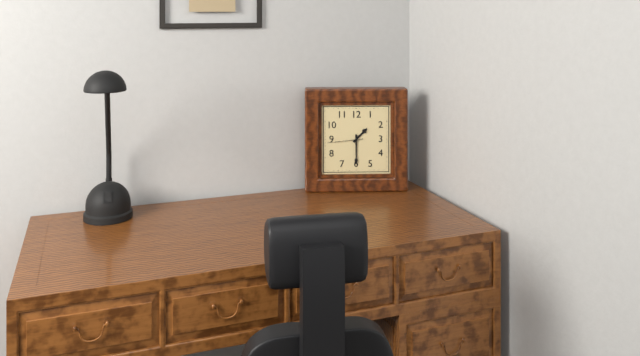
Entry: 1.30
